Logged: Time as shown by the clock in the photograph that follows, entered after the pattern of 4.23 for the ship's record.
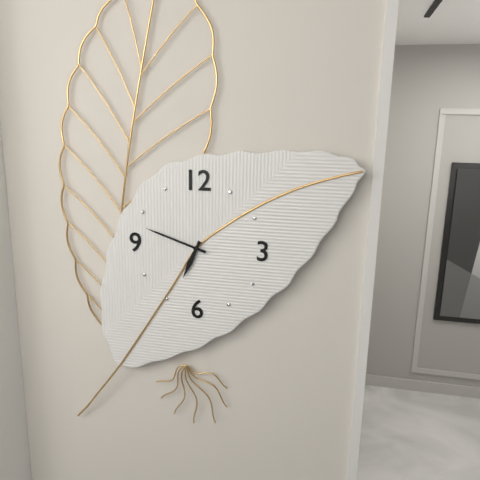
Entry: 6.48
